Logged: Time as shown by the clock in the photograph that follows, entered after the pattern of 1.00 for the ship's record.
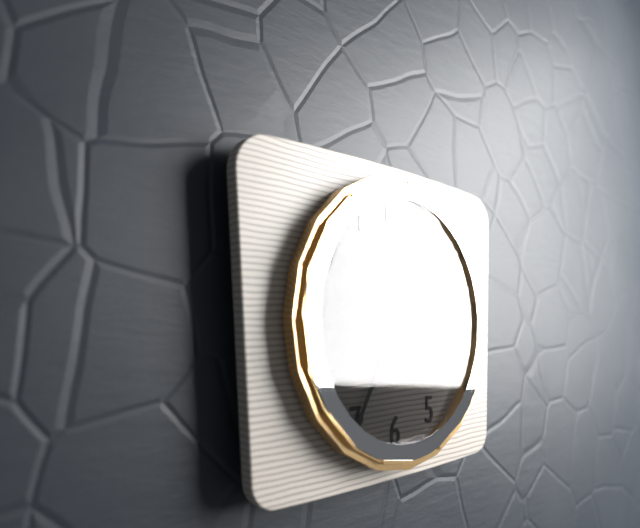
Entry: 11.35
